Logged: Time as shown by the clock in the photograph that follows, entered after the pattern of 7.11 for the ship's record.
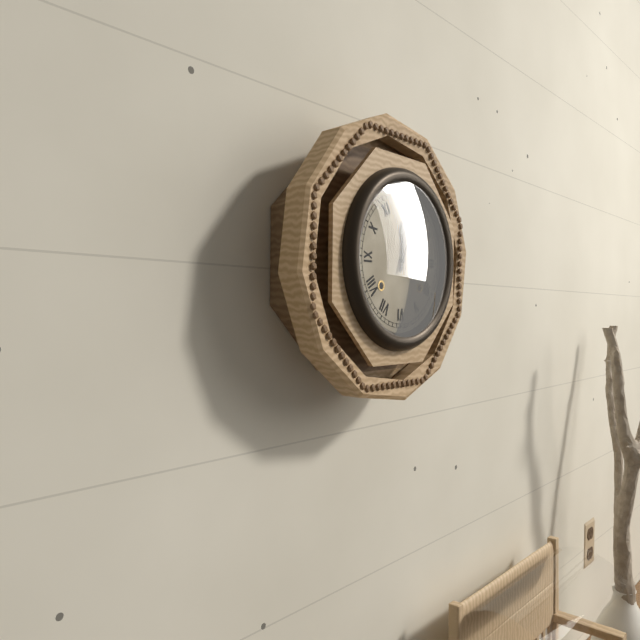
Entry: 12.04
